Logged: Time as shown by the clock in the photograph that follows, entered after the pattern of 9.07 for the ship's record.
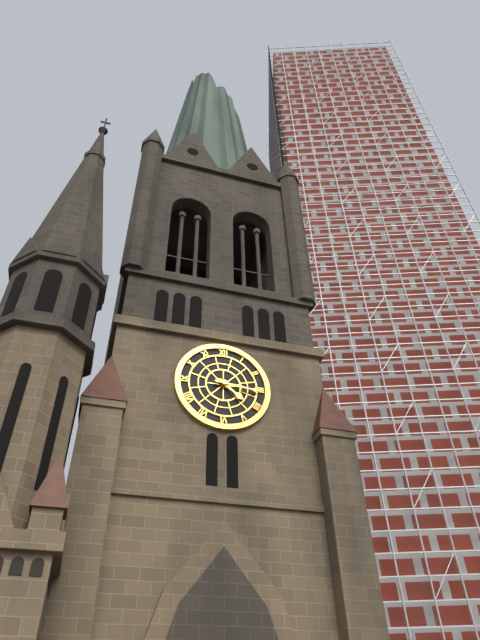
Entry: 4.16
